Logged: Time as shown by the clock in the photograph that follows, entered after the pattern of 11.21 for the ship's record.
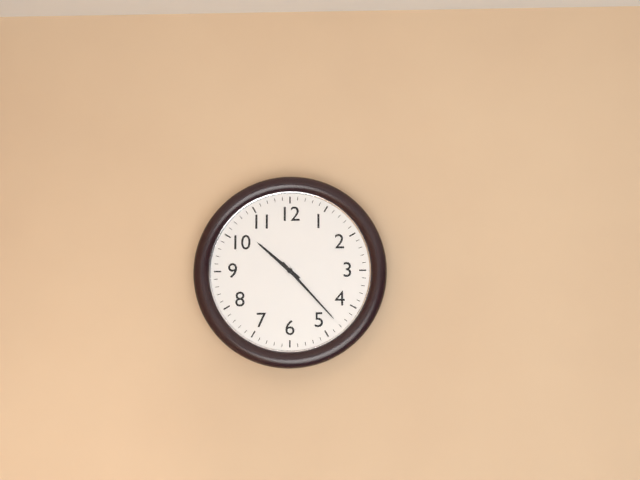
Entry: 10.23
